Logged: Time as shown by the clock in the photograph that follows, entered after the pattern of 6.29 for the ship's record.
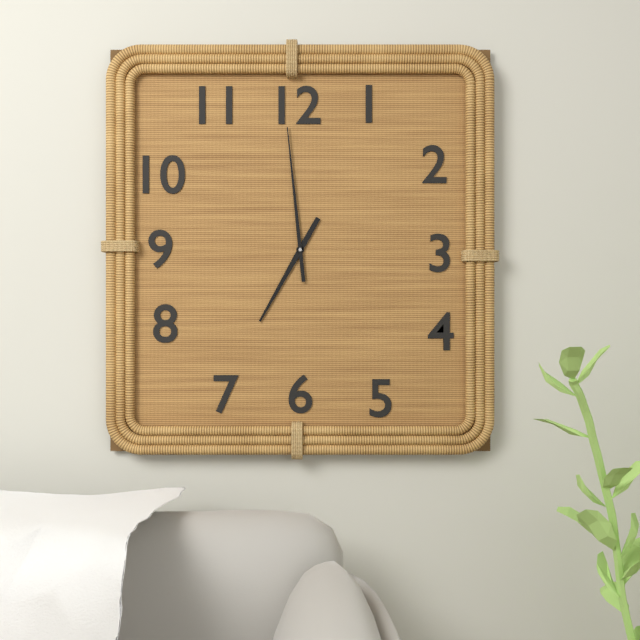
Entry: 6.59
